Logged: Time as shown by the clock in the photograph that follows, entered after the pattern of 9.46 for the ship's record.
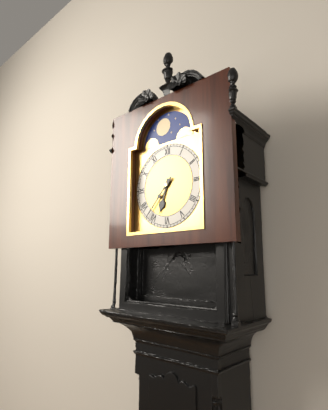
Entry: 6.37
